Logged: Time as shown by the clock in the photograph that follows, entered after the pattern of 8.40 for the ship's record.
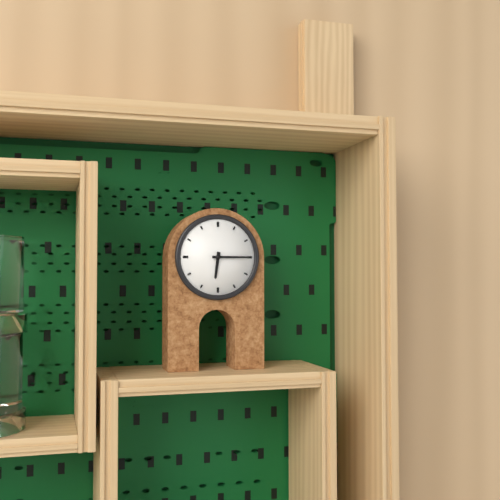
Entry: 6.15
